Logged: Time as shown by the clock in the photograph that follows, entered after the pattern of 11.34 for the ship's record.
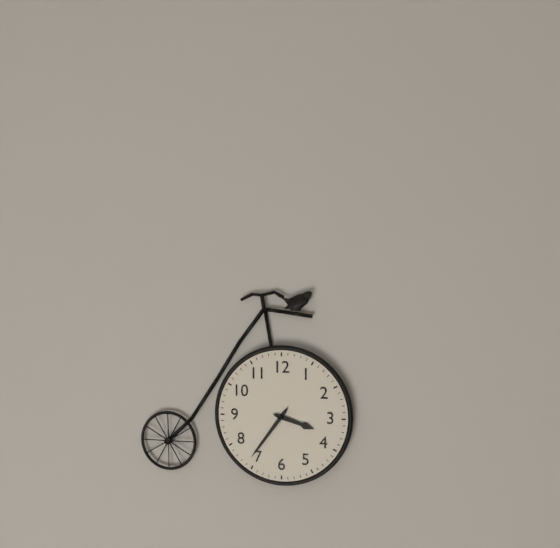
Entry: 3.36
